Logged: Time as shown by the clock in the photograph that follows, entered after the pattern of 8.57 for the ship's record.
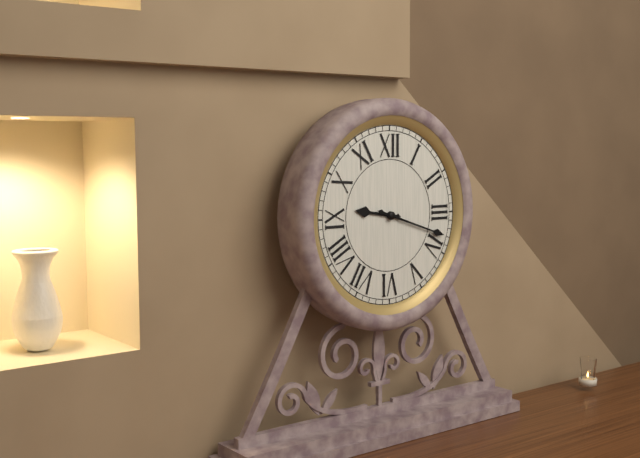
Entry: 9.18
